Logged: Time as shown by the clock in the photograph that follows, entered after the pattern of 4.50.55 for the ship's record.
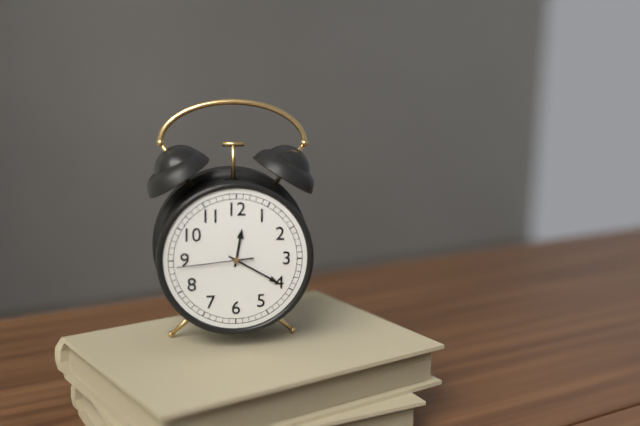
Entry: 12.20.44
